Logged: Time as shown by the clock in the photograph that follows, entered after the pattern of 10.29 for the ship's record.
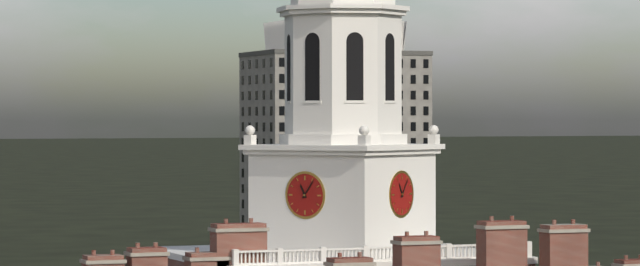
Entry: 11.06
